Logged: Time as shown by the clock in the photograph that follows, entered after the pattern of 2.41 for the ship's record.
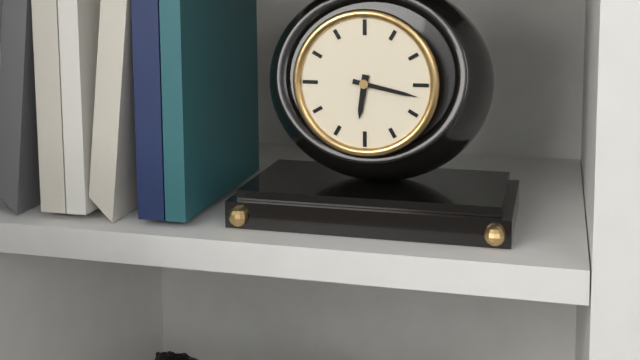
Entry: 6.17
